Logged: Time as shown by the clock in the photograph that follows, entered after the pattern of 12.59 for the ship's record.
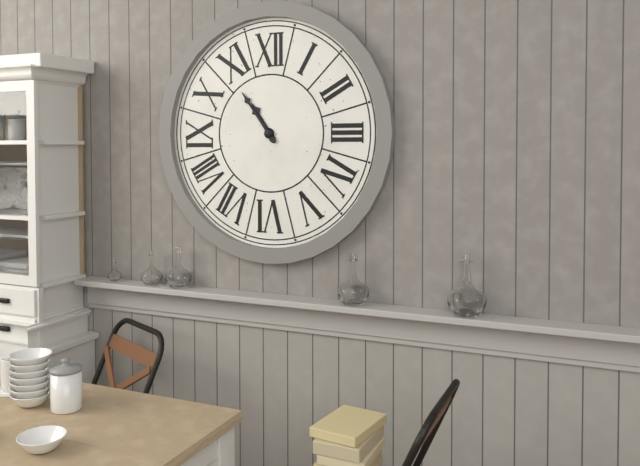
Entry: 10.54
